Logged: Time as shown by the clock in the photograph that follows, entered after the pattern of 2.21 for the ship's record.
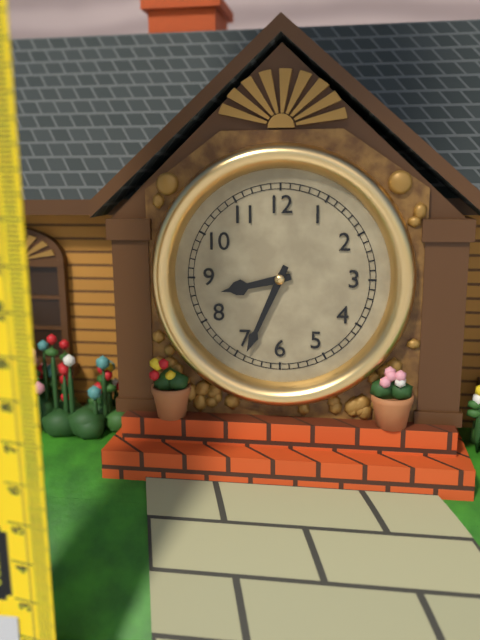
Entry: 8.34
